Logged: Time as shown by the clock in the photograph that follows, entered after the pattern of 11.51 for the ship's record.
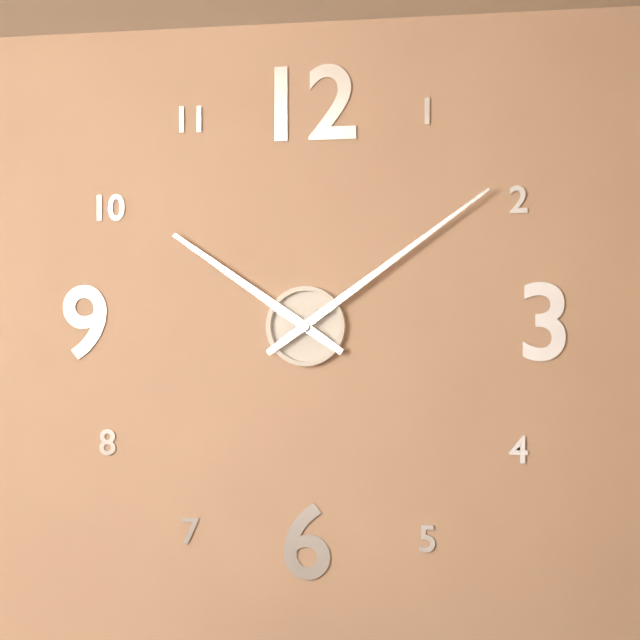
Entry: 10.09
